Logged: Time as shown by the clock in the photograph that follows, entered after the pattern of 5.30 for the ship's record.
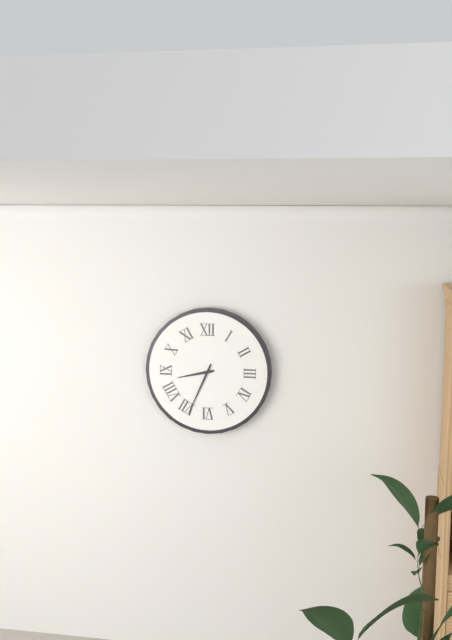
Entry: 8.34
